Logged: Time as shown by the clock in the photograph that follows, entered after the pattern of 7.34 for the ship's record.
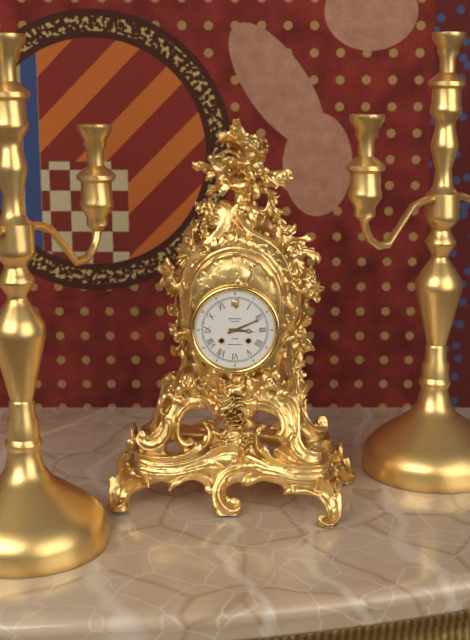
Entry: 3.11
